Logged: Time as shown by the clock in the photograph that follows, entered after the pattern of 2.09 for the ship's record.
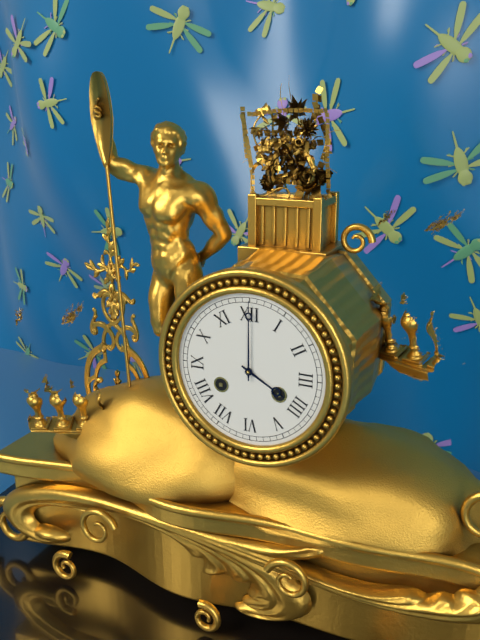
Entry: 4.00
